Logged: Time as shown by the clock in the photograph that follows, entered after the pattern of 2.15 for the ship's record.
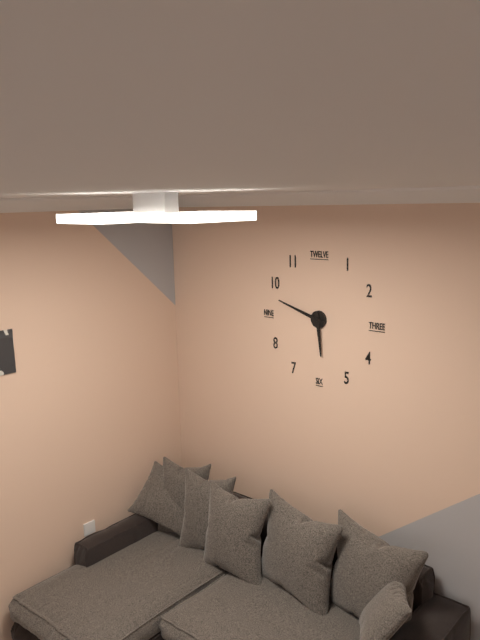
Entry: 5.48
